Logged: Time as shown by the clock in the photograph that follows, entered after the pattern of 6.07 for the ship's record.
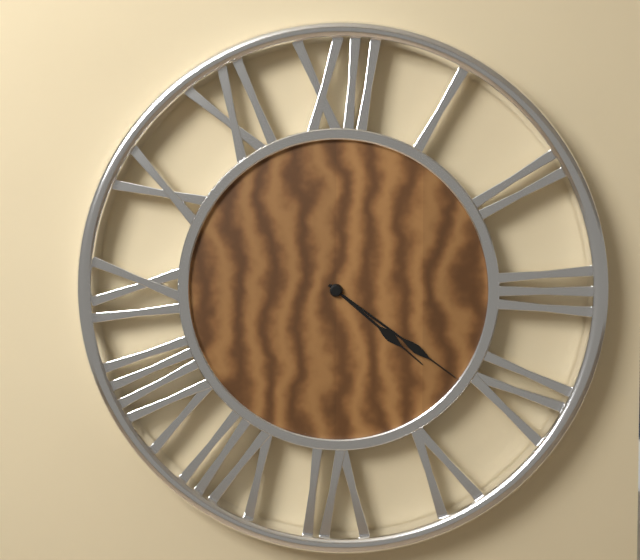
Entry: 4.21
